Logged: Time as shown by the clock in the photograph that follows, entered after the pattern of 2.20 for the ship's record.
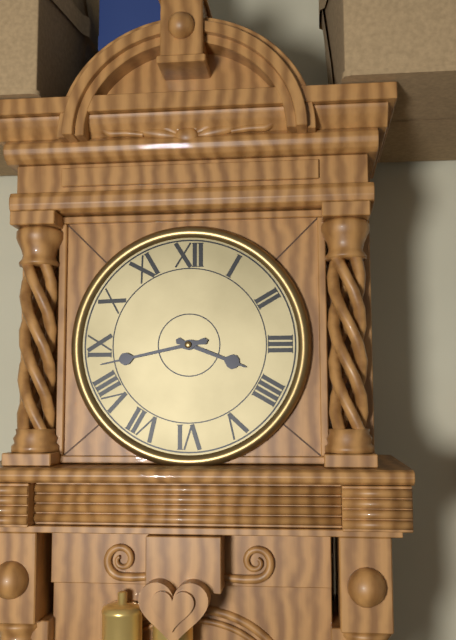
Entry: 3.43
